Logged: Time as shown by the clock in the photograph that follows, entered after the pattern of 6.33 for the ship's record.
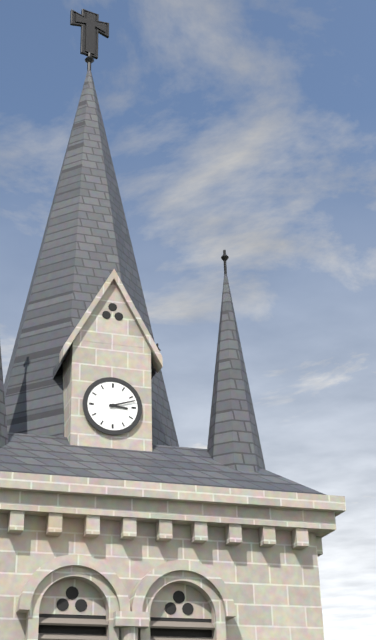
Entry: 3.12
